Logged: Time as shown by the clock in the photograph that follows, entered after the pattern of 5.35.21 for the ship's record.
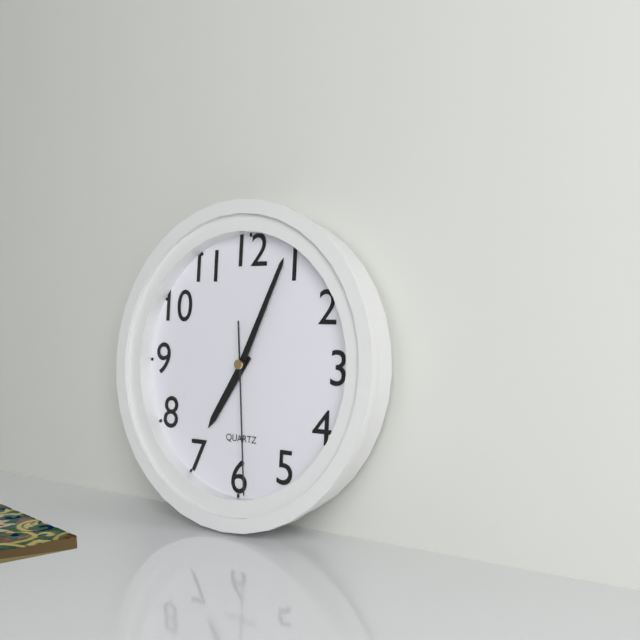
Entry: 7.04.29
